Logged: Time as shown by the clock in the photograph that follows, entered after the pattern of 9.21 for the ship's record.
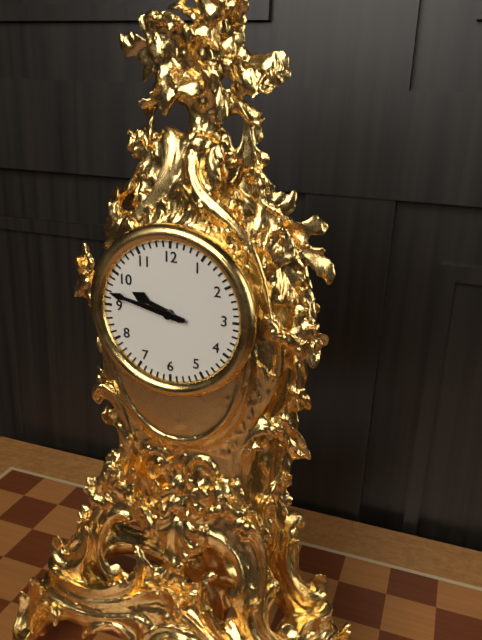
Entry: 9.47
